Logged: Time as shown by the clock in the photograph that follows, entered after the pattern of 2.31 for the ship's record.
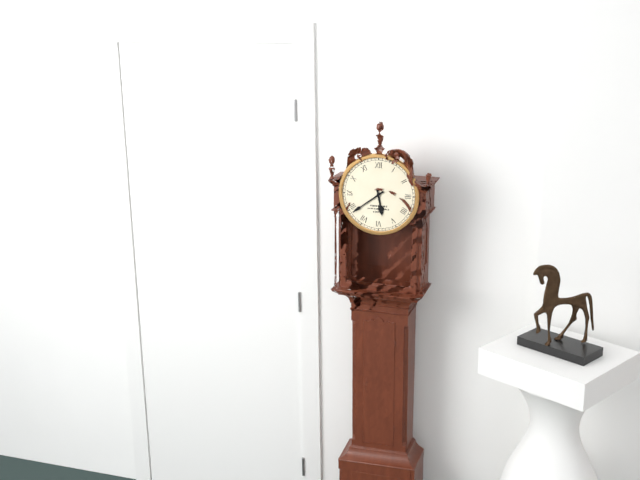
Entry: 5.39
